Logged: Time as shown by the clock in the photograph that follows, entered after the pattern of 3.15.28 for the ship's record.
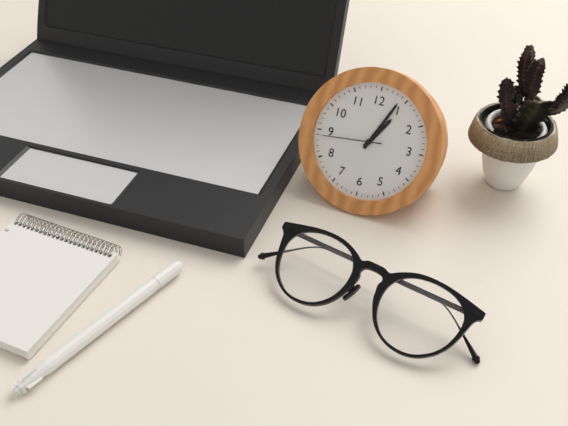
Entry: 1.04.44
